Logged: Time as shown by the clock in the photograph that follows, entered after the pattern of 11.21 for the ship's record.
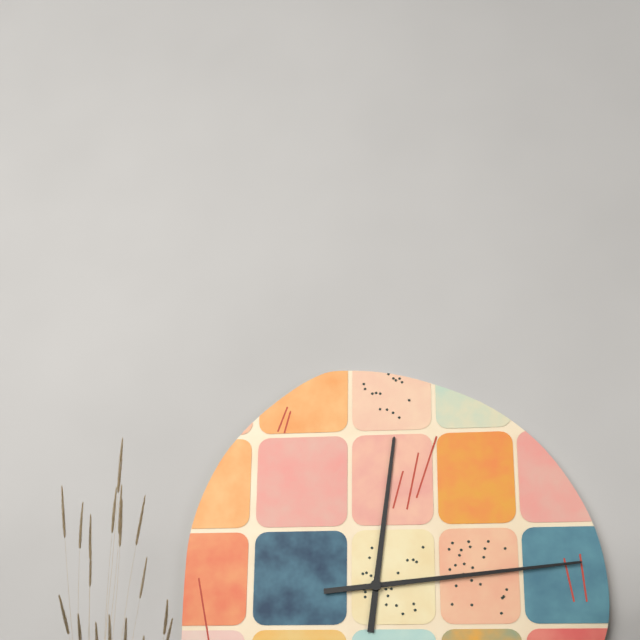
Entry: 12.14
